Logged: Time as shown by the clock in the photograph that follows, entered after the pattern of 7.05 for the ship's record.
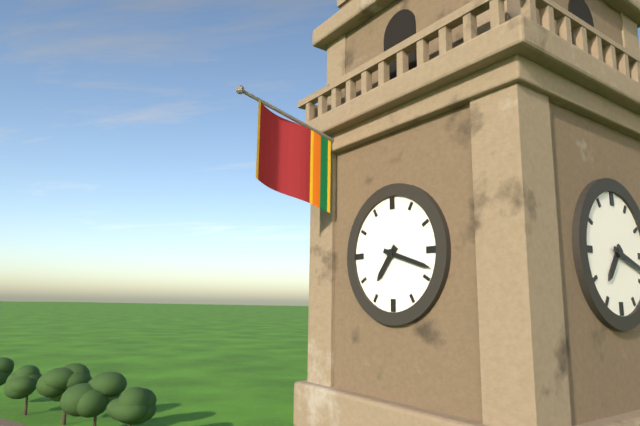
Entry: 7.18
